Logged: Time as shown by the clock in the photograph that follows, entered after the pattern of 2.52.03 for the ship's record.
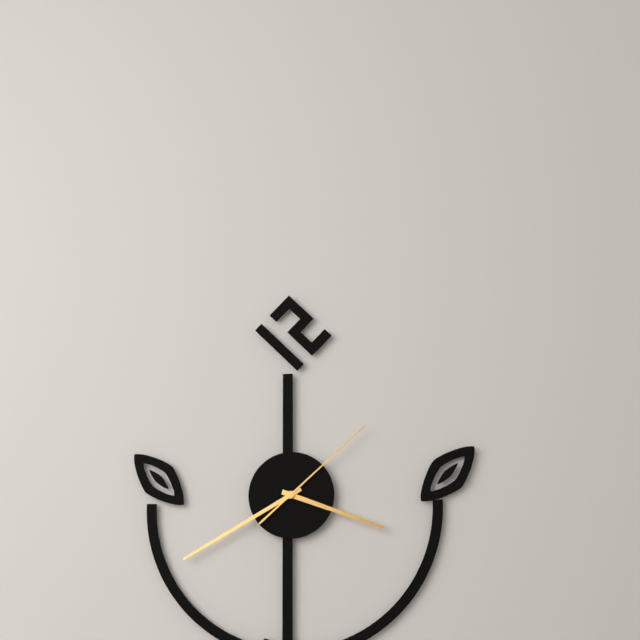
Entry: 3.40.08
